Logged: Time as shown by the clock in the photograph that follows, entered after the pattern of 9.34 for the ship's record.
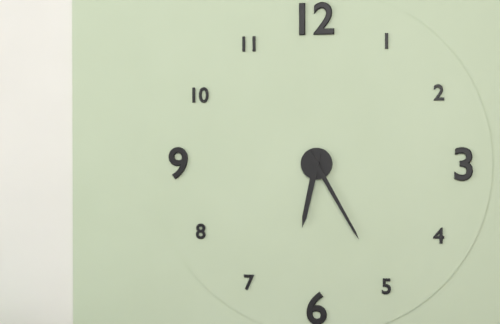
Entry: 6.25
